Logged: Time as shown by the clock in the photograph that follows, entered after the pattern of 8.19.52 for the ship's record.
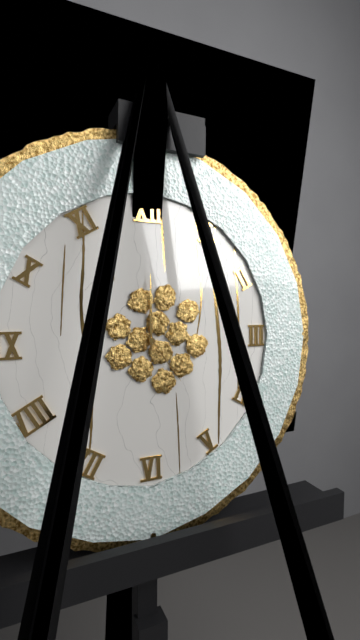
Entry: 12.00.24
